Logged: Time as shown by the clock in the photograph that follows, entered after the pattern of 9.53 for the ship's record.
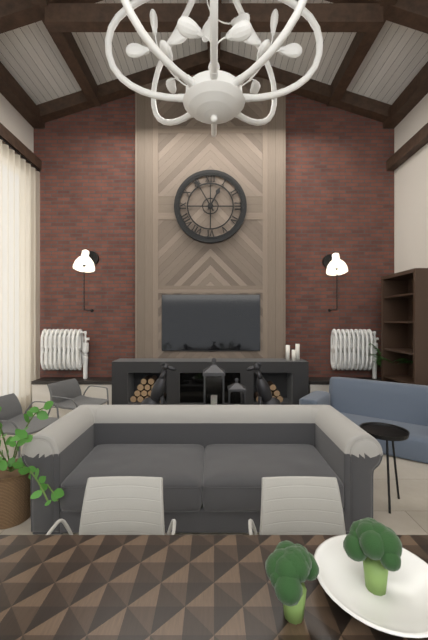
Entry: 12.55
